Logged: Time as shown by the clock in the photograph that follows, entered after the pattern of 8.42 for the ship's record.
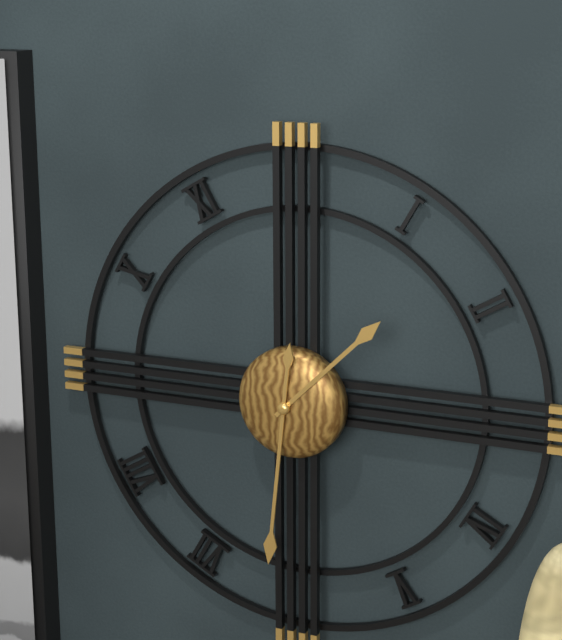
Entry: 1.31
